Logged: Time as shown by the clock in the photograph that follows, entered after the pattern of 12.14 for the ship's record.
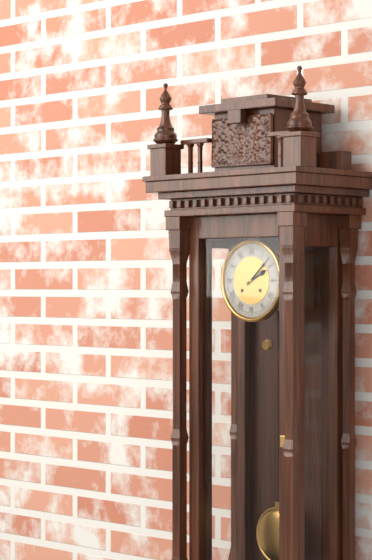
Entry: 2.08
